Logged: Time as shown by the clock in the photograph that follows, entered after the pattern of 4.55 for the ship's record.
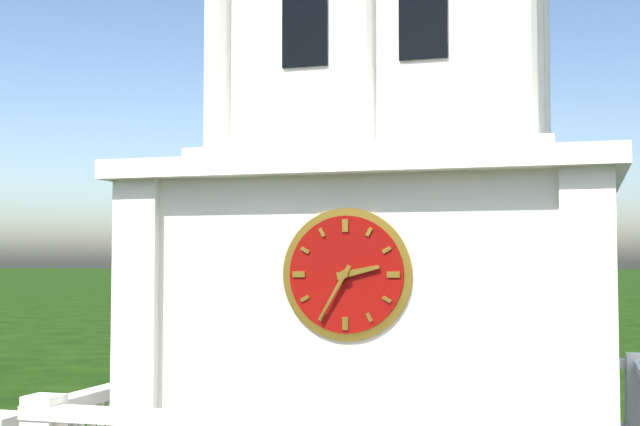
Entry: 2.35
